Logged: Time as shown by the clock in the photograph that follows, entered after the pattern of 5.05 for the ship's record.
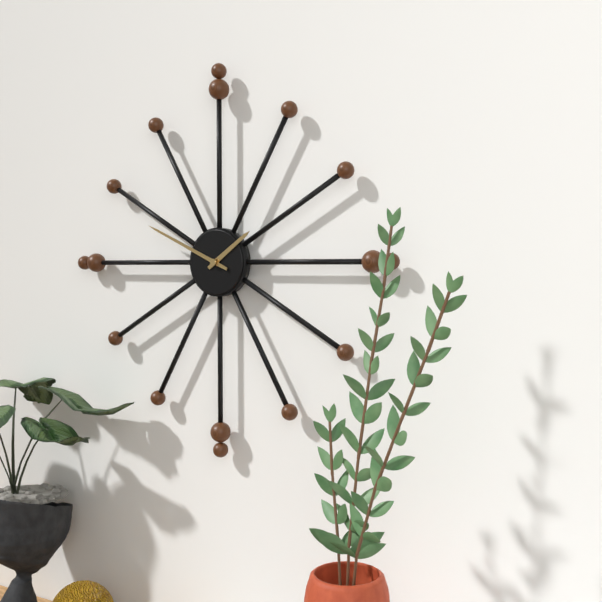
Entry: 1.49
